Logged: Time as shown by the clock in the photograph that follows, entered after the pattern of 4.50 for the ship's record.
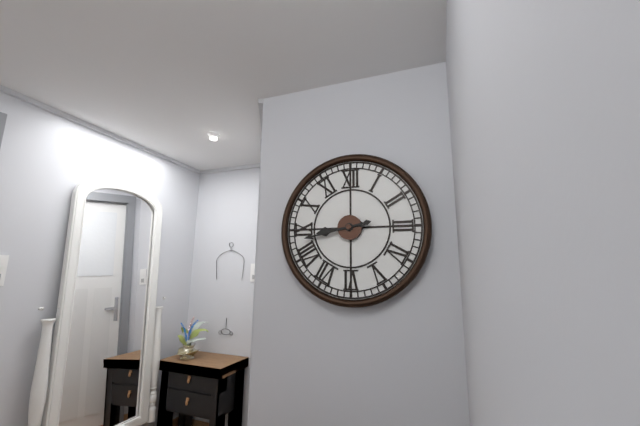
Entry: 8.43
